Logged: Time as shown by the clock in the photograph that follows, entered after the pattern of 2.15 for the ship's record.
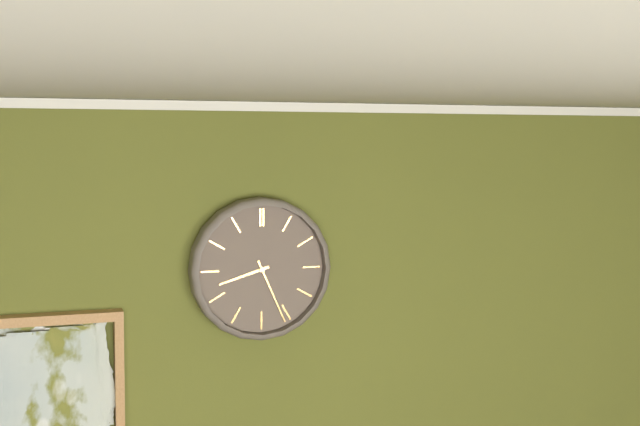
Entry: 8.26
